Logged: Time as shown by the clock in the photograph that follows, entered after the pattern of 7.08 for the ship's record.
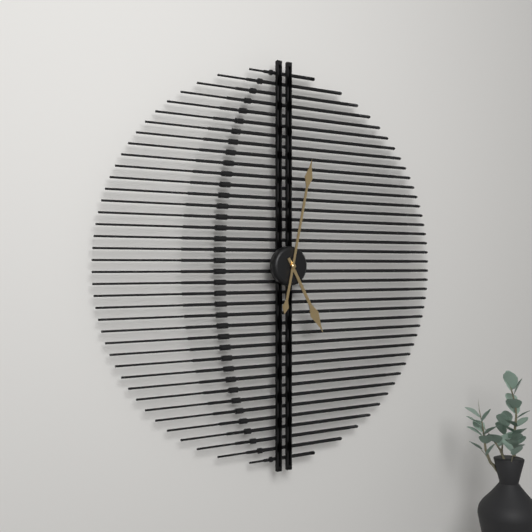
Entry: 5.02
